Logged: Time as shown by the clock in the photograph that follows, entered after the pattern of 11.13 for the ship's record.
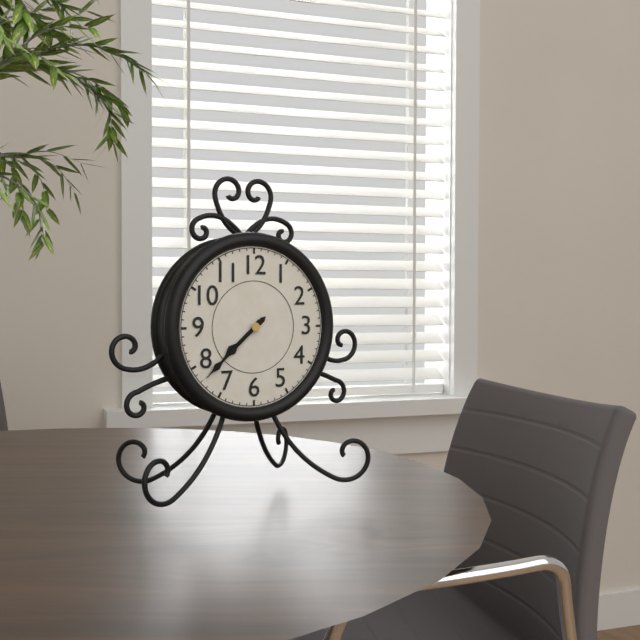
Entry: 7.38
